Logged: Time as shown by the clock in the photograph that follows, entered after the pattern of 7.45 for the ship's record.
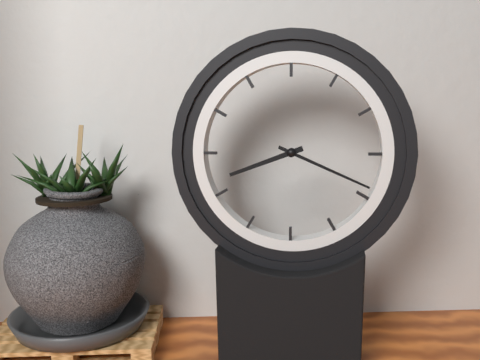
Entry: 8.19
